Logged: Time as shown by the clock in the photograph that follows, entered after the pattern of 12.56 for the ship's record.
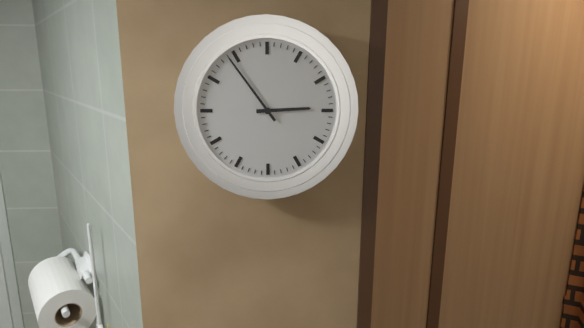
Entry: 2.54
